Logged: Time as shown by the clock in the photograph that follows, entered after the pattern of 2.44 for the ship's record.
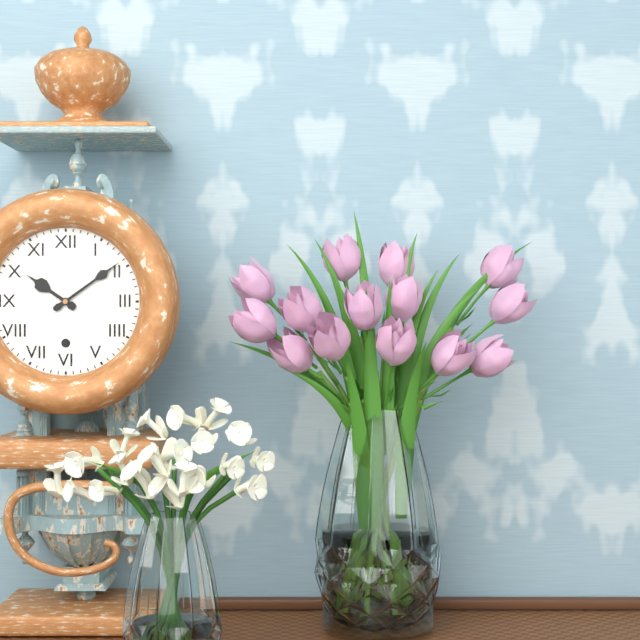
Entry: 10.09
